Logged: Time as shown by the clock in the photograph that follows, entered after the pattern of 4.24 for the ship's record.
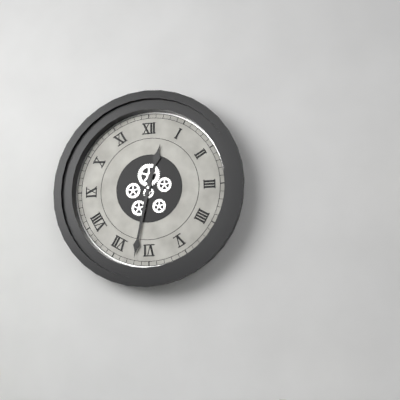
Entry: 12.32
